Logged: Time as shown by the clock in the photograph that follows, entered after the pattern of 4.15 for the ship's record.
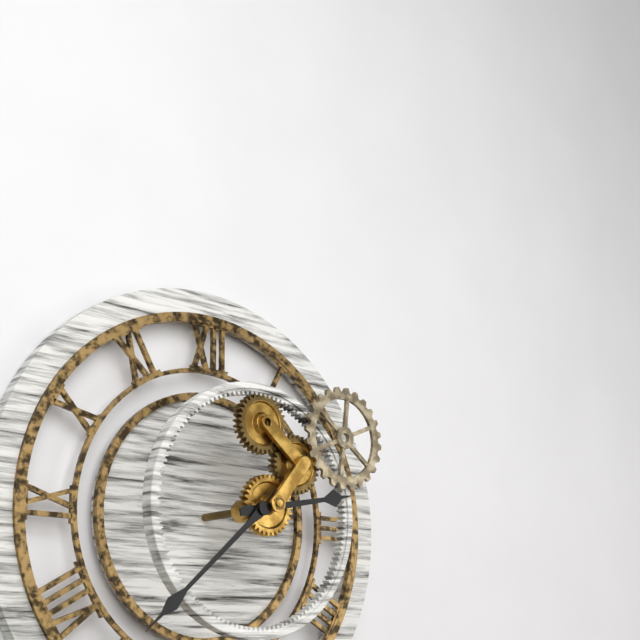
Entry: 2.38
